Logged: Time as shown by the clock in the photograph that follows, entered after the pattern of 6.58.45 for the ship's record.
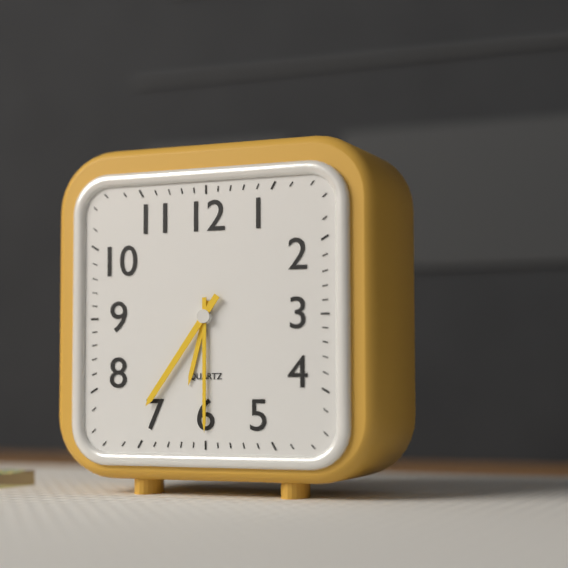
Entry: 6.30.36
